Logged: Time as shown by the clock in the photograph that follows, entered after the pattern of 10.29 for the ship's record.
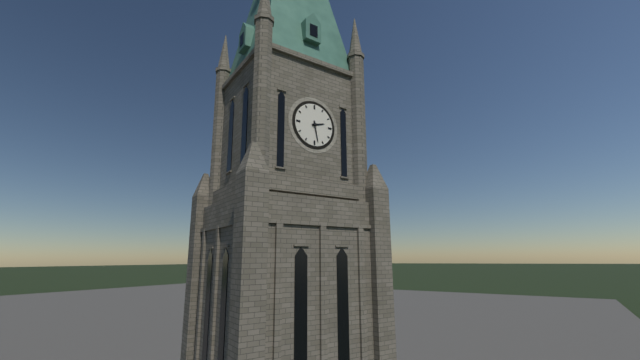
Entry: 2.28
